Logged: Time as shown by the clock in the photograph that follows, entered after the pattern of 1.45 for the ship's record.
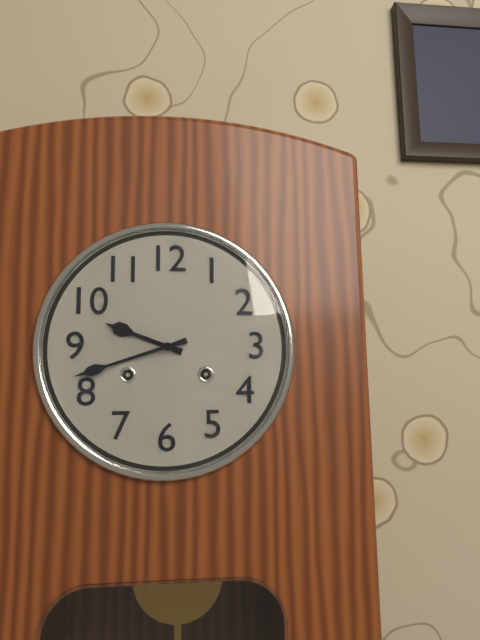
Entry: 9.42
